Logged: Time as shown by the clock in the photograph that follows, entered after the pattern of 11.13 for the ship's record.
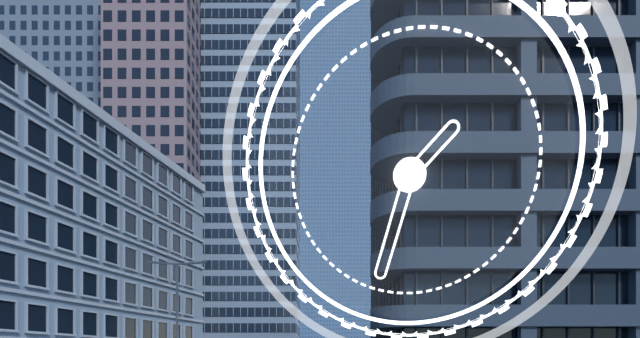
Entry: 1.33
